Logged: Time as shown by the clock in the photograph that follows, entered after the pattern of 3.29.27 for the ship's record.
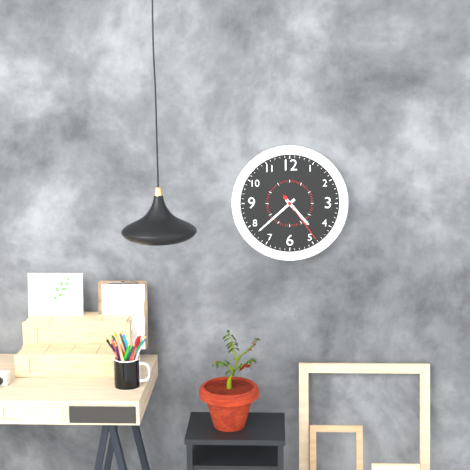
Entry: 4.38.24
